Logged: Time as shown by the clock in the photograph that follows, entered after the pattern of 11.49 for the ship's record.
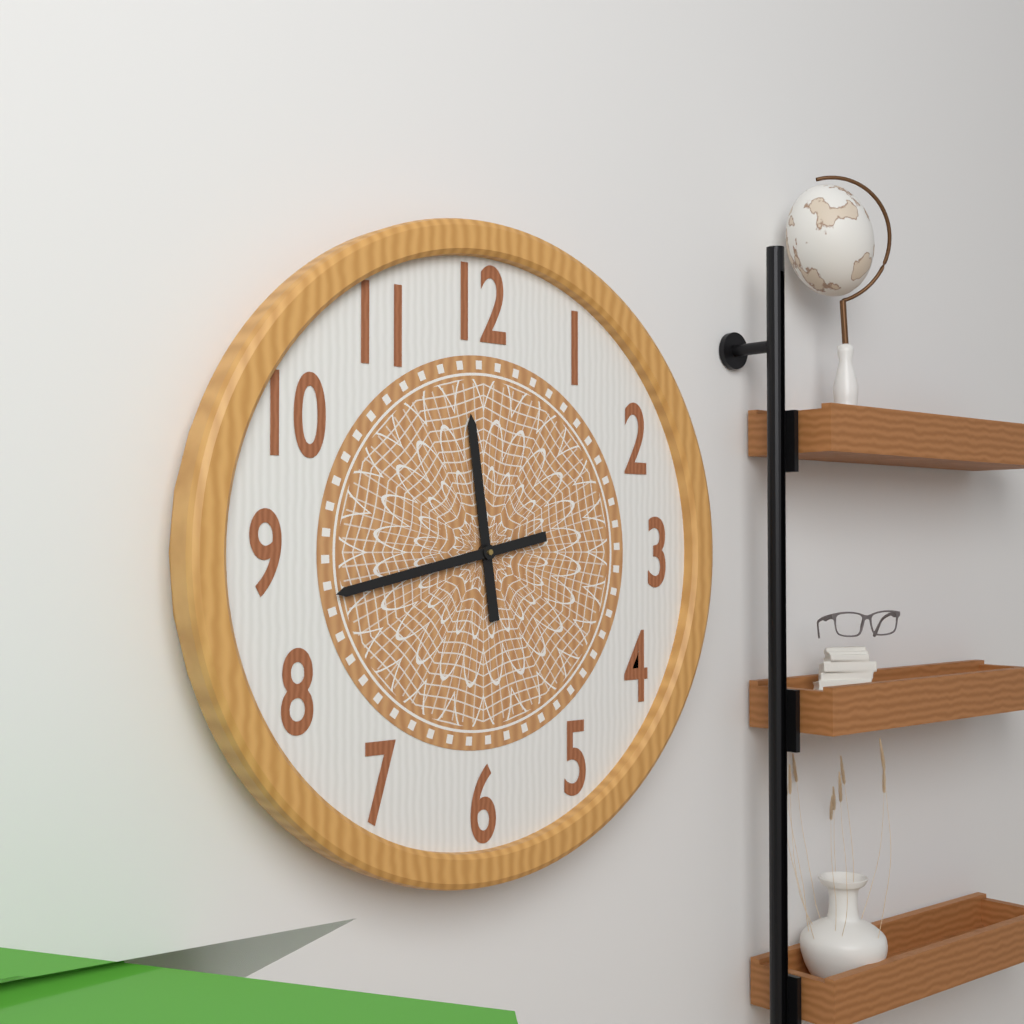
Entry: 11.43
